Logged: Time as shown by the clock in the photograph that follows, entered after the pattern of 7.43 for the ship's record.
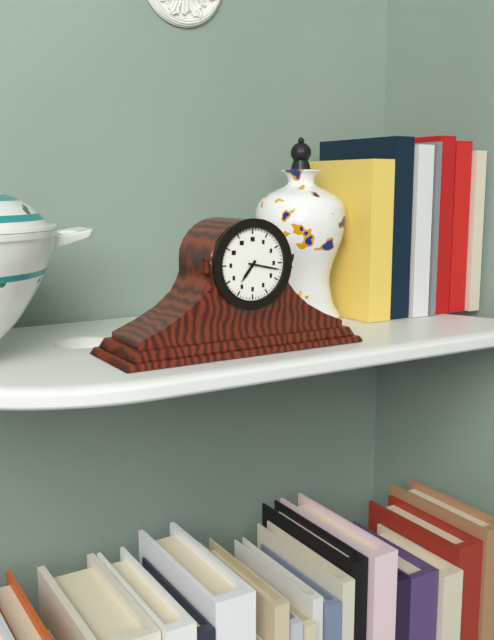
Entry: 7.17
